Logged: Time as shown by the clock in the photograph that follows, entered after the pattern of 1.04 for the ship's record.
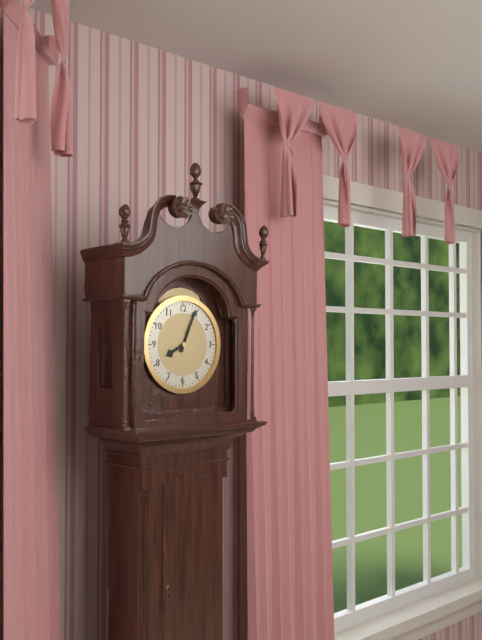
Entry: 8.04
